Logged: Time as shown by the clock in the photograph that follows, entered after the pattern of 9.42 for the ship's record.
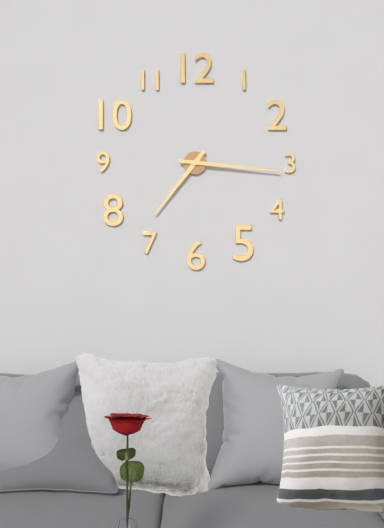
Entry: 7.16
